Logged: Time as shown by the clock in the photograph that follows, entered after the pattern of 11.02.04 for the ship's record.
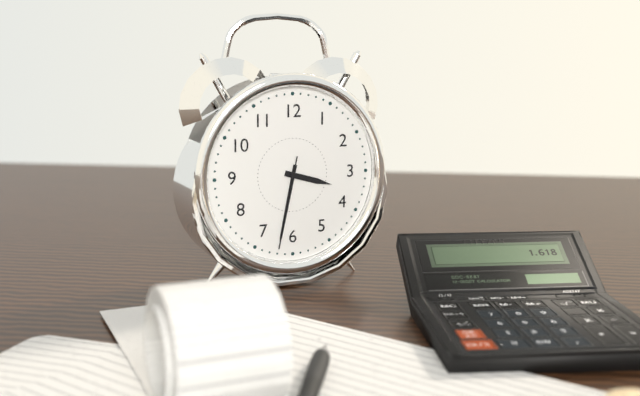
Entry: 3.32.32
